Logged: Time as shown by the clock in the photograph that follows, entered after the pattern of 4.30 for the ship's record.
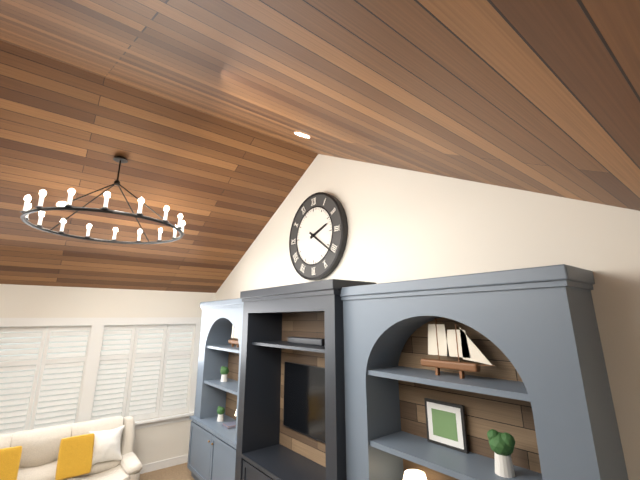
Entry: 2.21
